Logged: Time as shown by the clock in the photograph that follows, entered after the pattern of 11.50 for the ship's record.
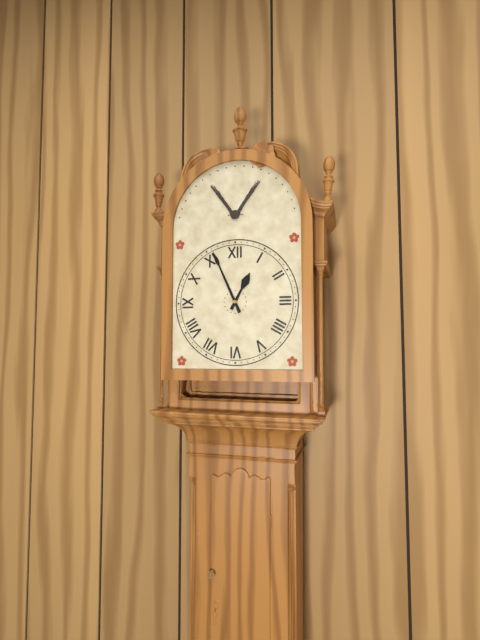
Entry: 12.56
